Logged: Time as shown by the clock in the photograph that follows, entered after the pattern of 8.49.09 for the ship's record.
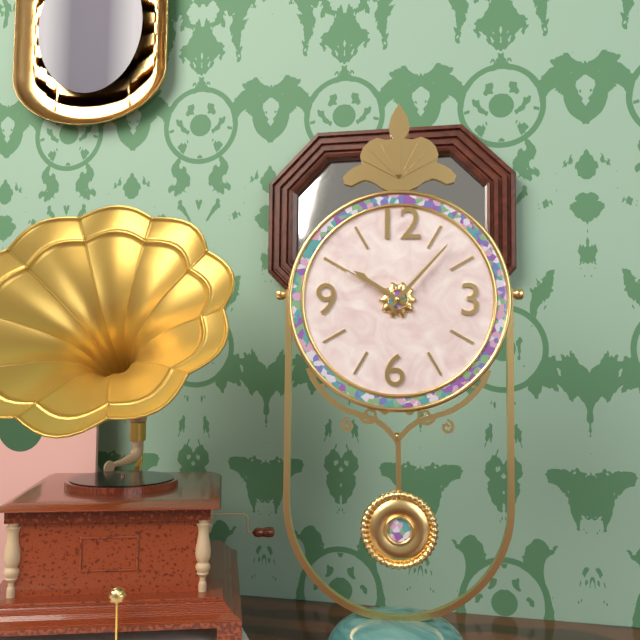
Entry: 10.07.50
